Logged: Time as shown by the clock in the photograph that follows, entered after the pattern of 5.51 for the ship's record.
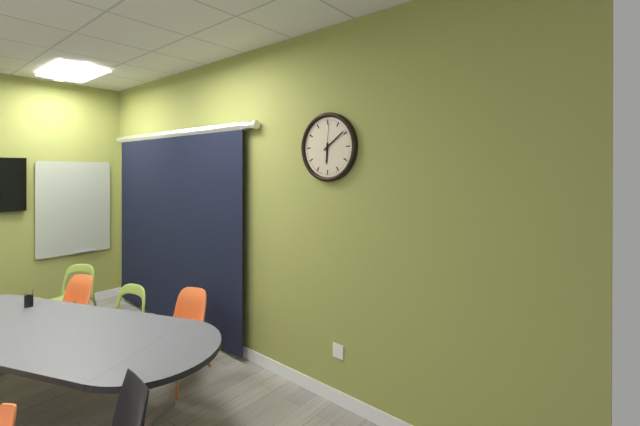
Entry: 6.09
